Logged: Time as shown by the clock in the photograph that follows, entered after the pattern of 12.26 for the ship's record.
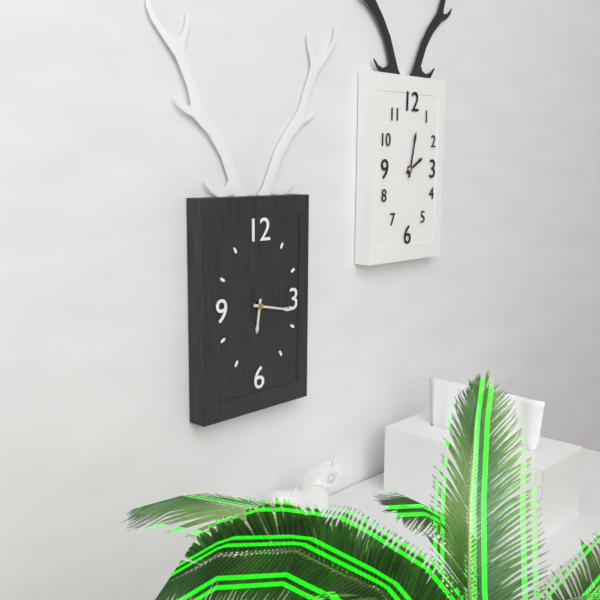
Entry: 6.17
